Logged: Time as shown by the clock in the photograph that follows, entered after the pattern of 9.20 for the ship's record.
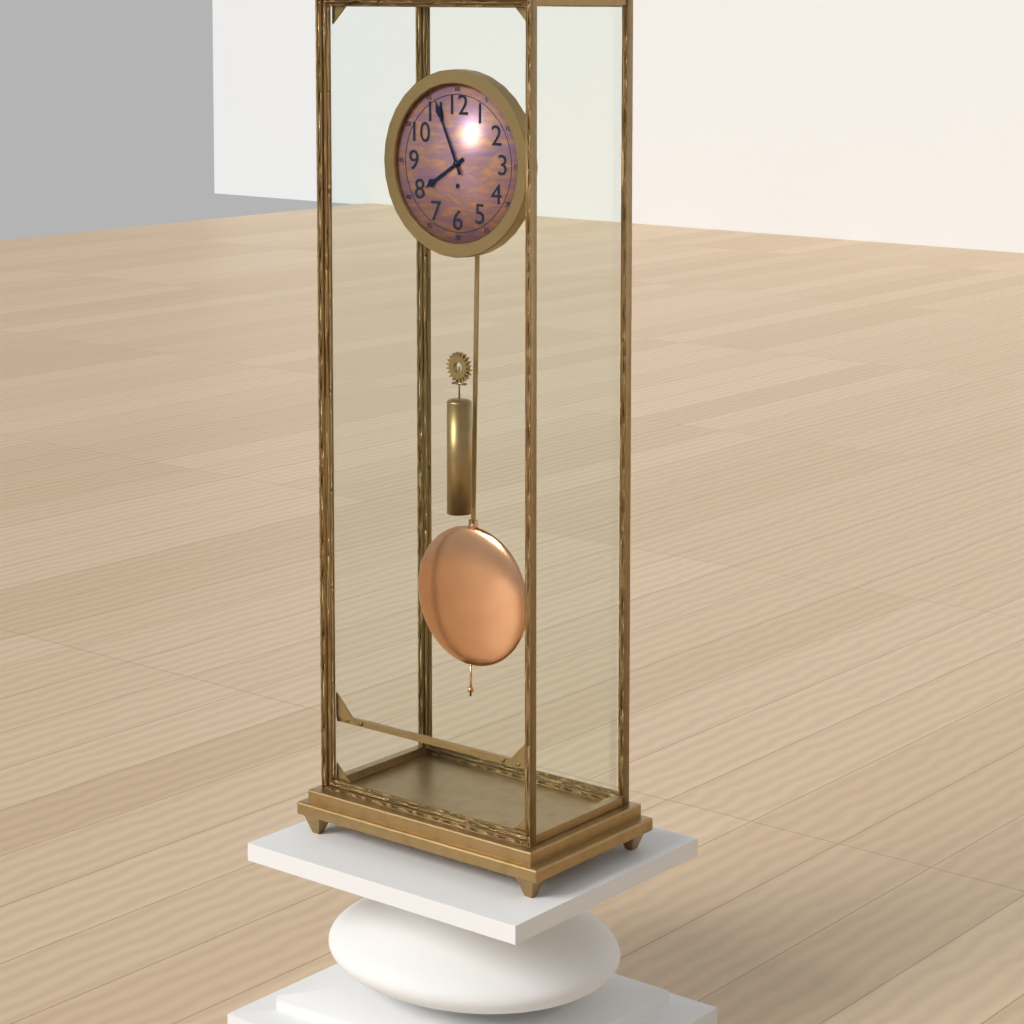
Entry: 7.56
